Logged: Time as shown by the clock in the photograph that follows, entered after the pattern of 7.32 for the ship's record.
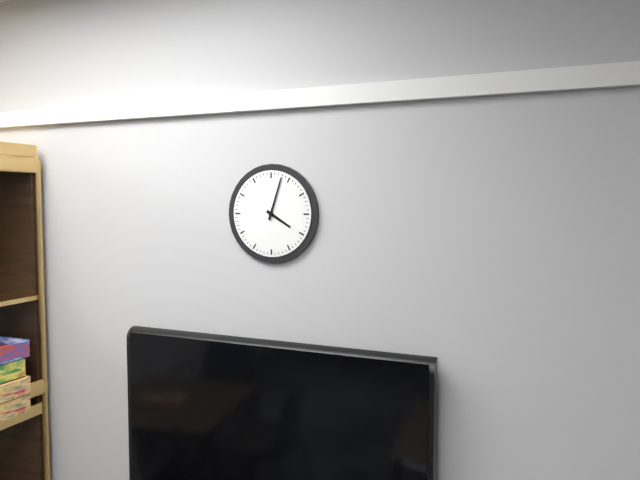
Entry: 4.03
